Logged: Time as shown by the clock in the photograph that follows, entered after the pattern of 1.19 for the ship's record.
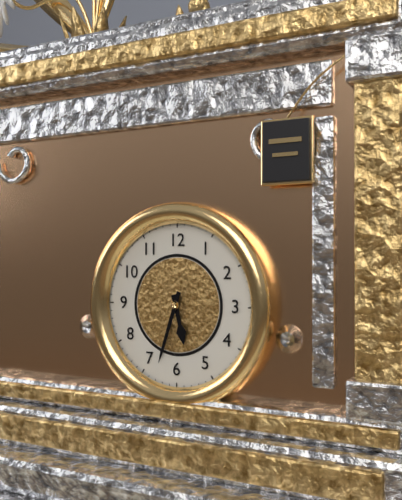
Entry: 5.33
